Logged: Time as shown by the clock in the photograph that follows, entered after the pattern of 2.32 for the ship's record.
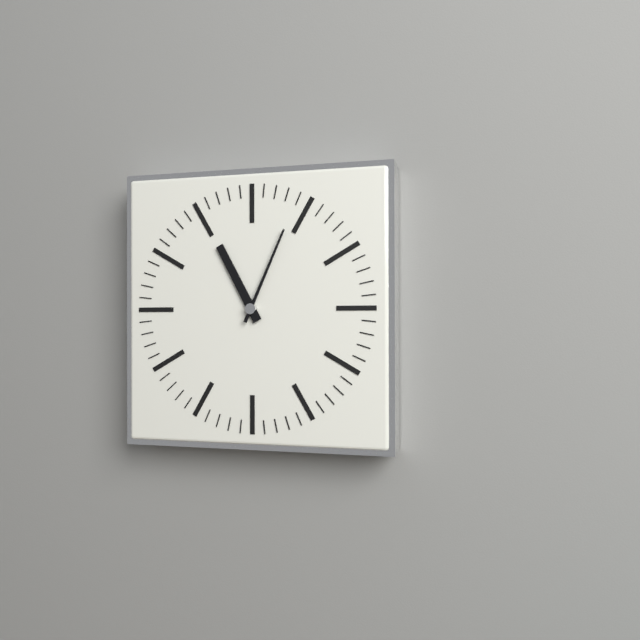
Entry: 11.04
